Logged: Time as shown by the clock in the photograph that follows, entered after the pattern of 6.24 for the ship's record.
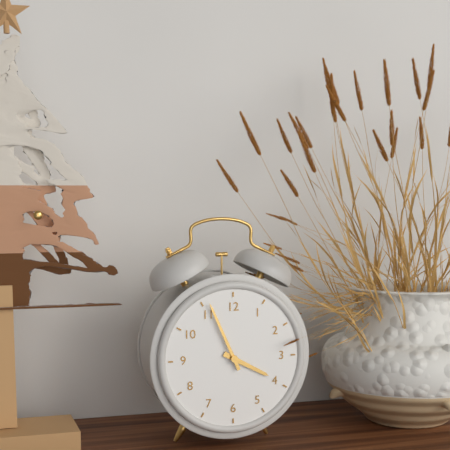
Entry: 3.56
